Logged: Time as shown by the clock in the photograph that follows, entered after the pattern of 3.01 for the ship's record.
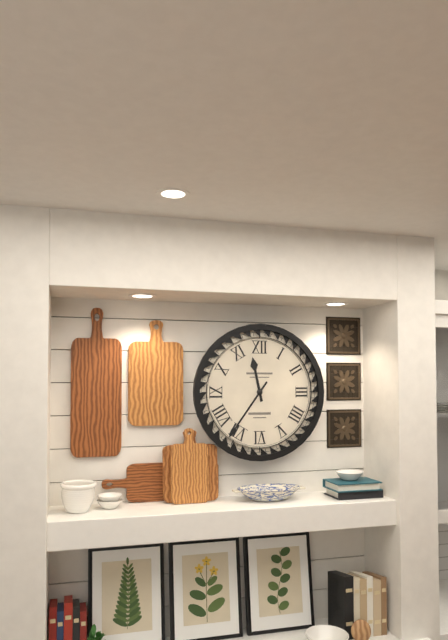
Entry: 11.36
